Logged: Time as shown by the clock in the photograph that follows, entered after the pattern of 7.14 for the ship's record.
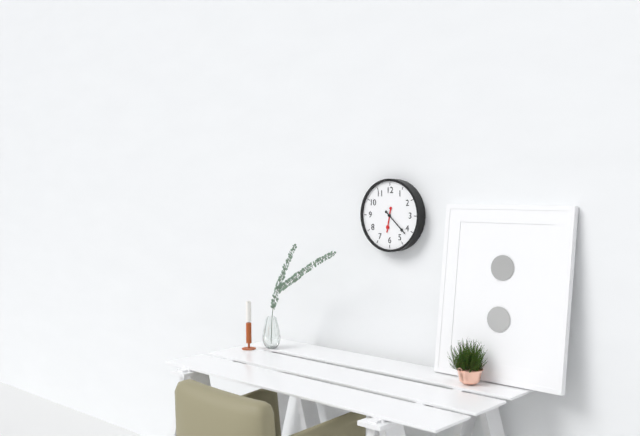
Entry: 6.22
